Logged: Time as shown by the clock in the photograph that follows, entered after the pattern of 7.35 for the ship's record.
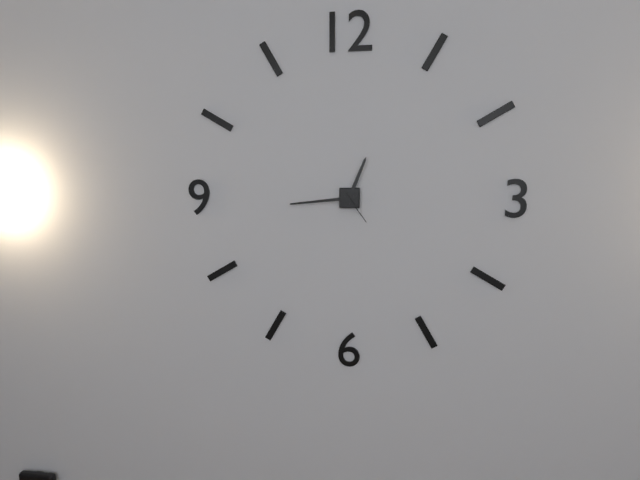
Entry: 12.44
